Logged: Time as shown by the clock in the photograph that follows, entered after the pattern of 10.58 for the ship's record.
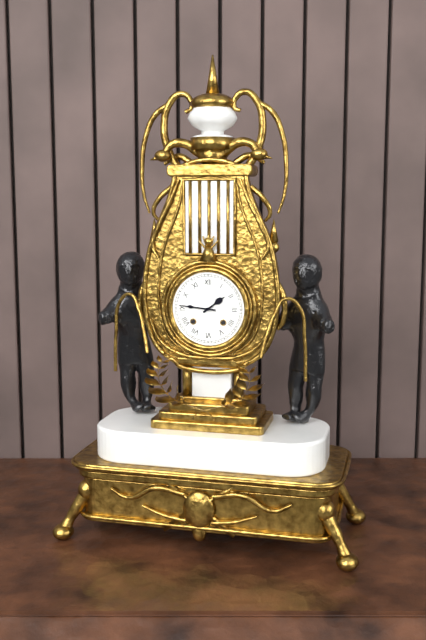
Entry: 1.46
